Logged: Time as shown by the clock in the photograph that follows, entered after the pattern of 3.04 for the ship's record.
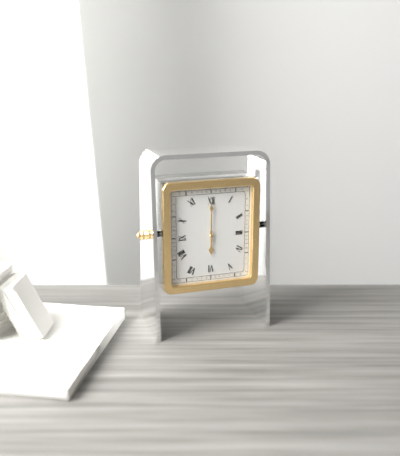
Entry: 6.00
